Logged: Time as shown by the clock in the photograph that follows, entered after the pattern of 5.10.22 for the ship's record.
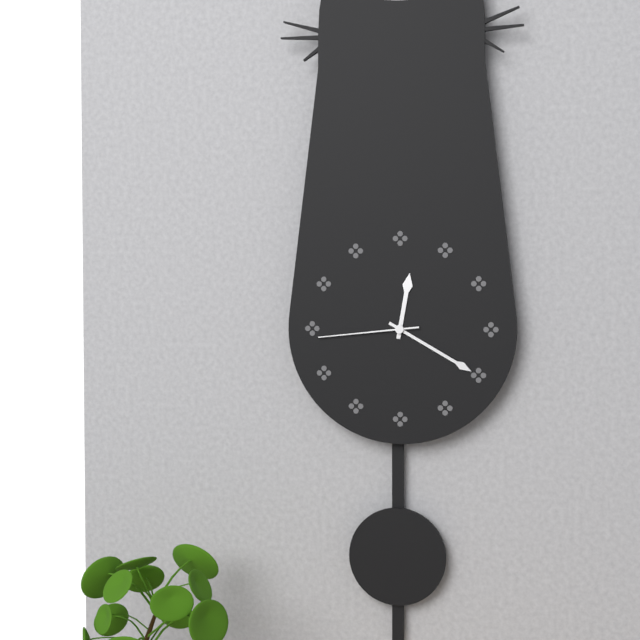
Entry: 12.20.44
